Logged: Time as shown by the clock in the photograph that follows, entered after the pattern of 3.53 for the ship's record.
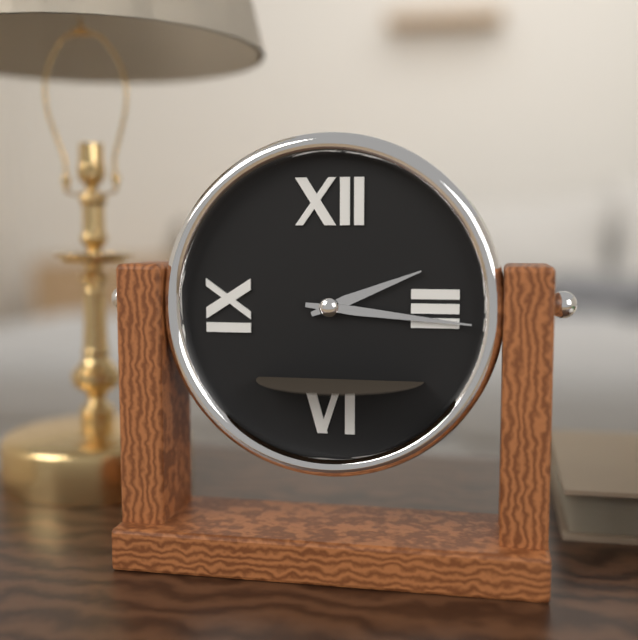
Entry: 2.16
